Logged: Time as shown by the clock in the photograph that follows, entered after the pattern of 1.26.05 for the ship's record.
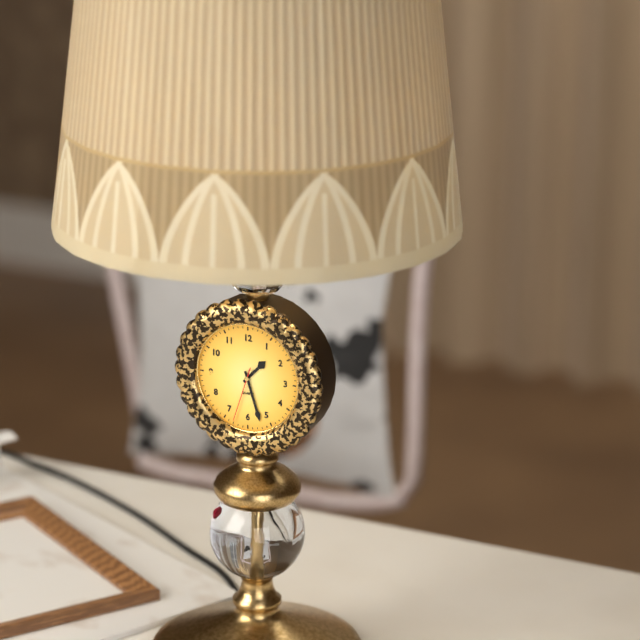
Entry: 1.27.33
